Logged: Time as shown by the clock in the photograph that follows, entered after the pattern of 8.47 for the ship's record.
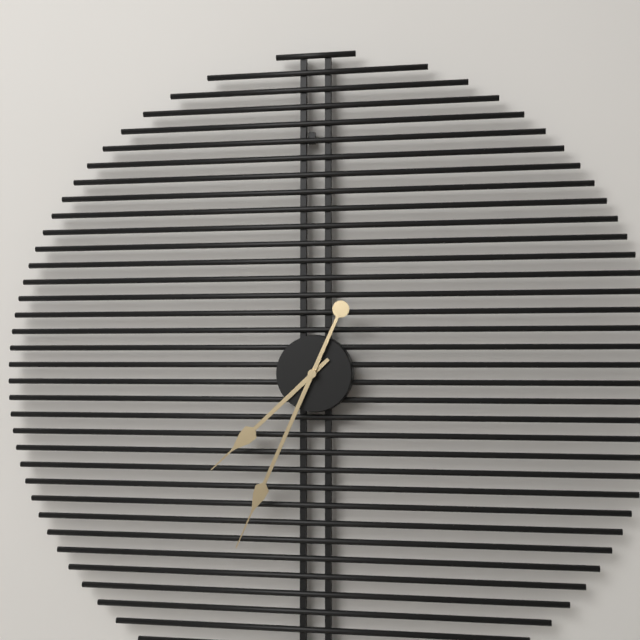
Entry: 7.34
